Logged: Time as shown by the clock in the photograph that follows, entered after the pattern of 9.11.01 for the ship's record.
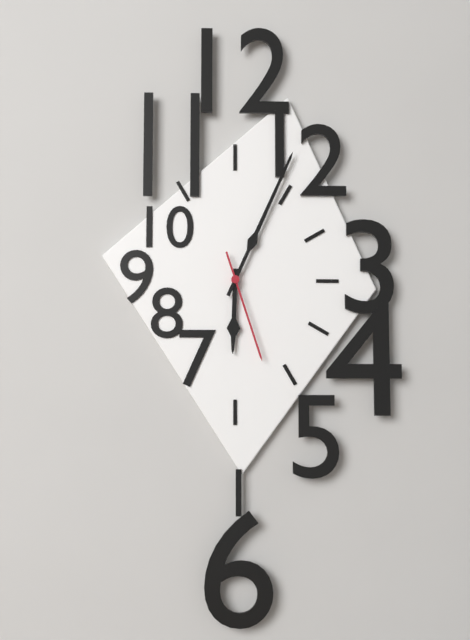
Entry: 6.04.27
